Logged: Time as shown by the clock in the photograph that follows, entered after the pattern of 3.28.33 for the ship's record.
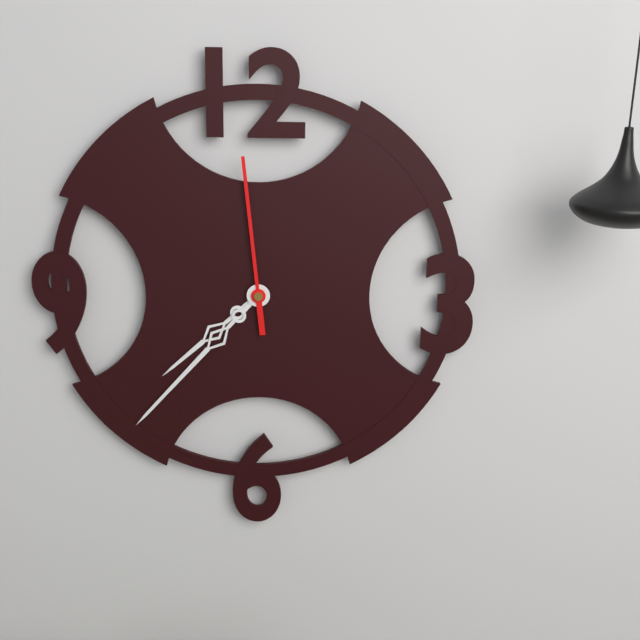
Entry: 7.37.59
